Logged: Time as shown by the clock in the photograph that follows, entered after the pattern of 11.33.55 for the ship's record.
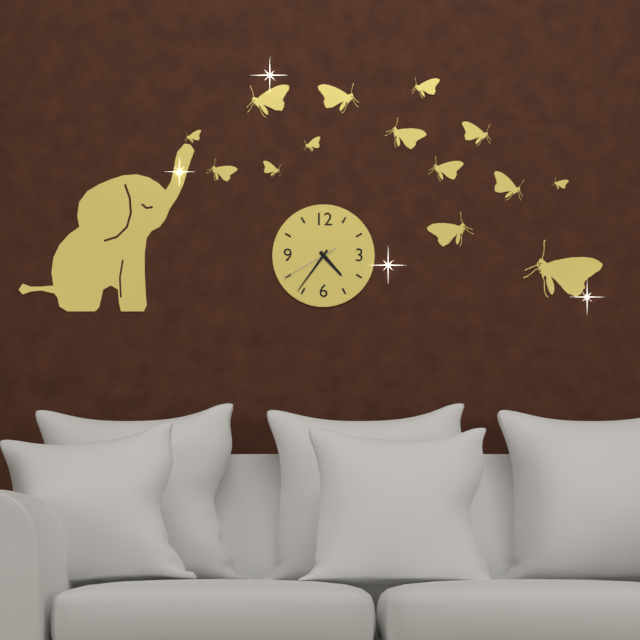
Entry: 4.36.40
